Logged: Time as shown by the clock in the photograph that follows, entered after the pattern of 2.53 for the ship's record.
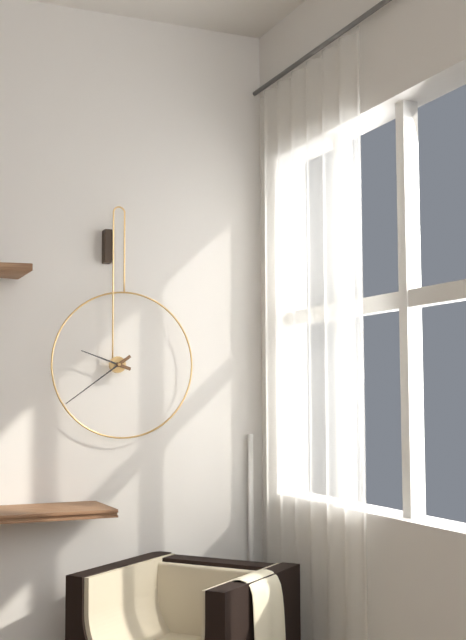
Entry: 9.39
